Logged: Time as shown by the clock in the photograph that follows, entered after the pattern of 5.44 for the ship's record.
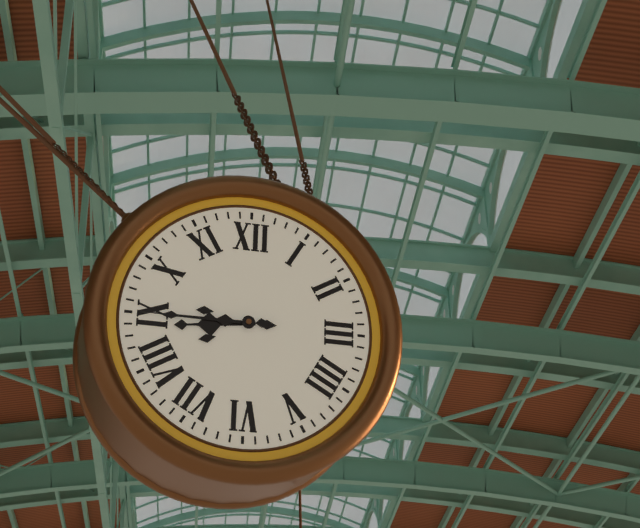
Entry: 8.45
